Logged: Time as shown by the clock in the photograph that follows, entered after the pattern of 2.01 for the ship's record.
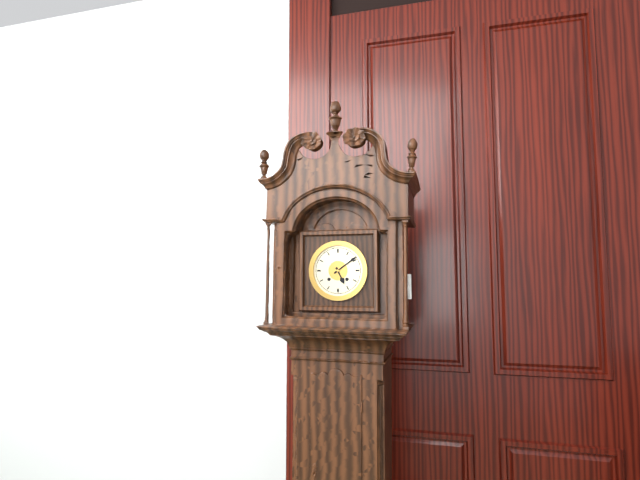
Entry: 5.09
